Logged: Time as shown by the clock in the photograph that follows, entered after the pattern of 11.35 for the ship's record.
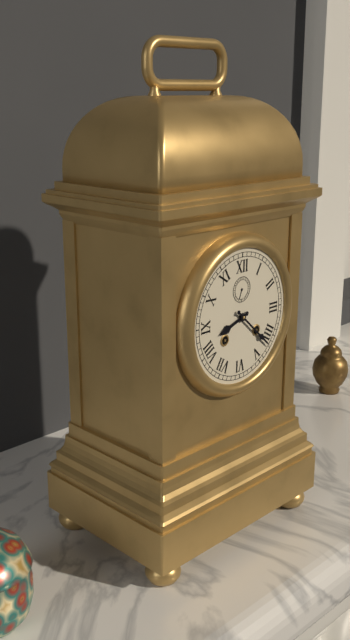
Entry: 8.22
